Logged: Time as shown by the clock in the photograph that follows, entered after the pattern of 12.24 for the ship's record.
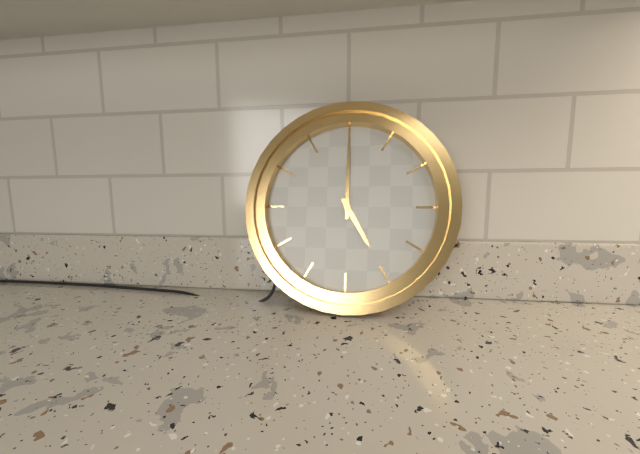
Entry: 5.00
